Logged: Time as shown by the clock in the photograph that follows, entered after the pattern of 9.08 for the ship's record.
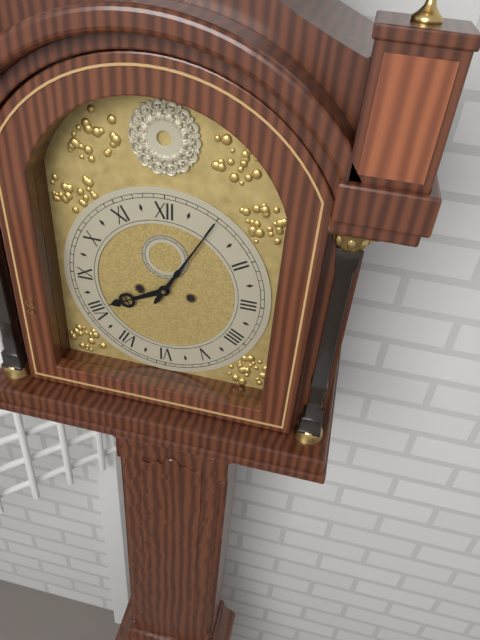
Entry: 8.05
